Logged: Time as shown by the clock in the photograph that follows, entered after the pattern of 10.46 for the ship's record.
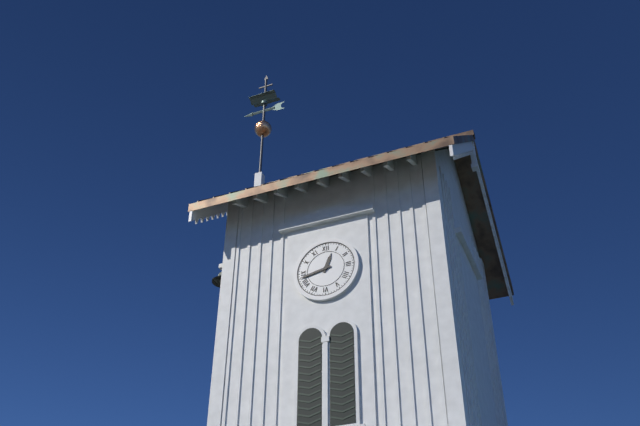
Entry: 12.43
